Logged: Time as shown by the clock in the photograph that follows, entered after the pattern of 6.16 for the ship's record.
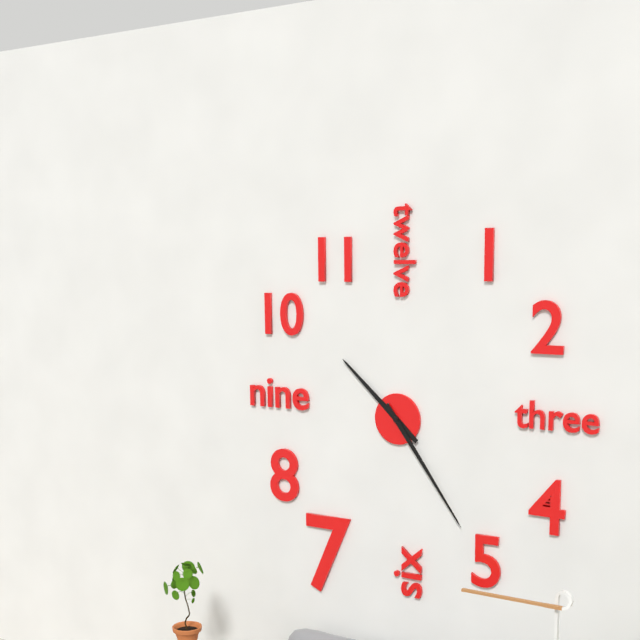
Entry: 10.24
